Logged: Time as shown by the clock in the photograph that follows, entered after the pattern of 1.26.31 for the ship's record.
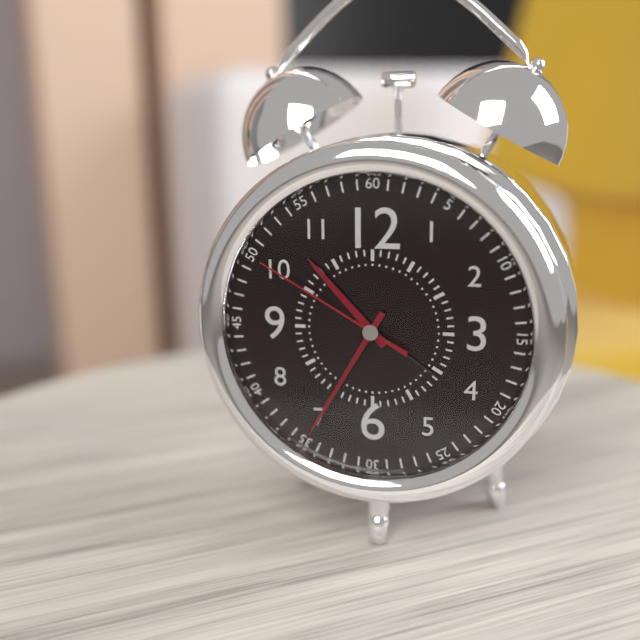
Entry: 10.35.50
